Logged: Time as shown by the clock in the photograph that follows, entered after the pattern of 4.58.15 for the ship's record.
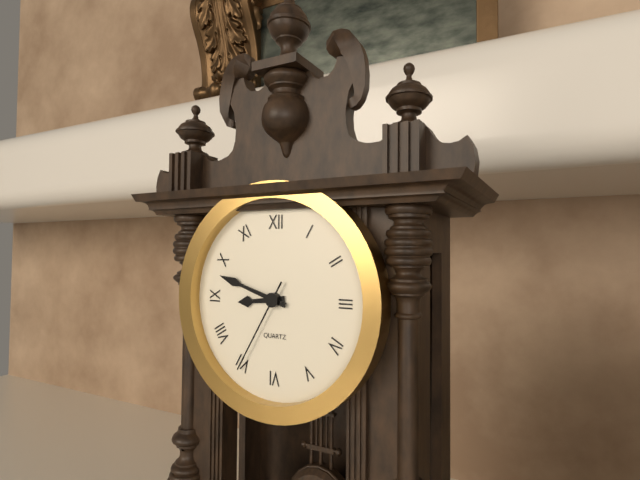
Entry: 8.48.35
